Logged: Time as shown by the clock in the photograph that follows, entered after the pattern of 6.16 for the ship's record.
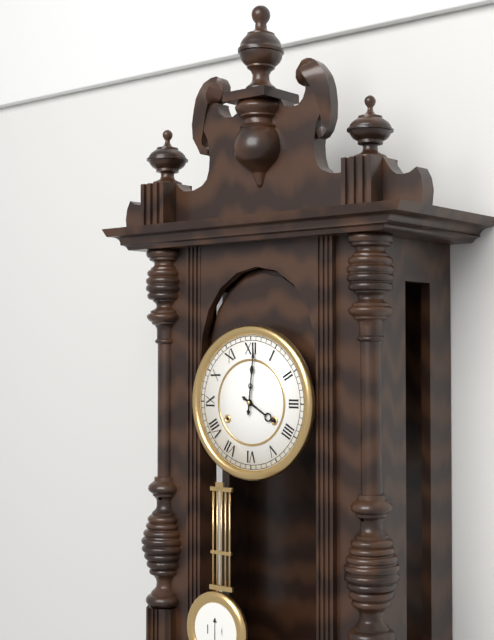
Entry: 4.01
